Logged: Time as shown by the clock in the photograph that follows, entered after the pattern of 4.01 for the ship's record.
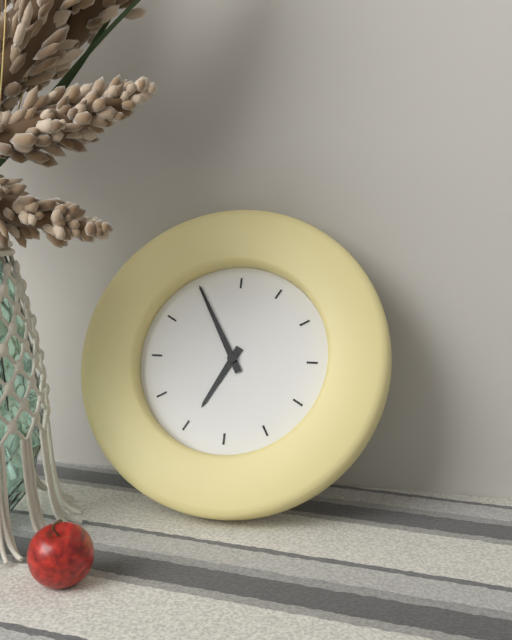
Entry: 6.55
